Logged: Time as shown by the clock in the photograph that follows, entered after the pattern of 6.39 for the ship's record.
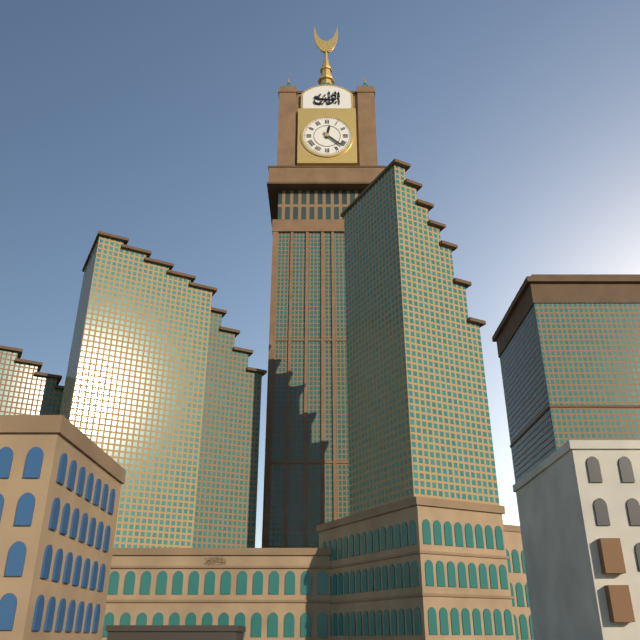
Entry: 12.22
